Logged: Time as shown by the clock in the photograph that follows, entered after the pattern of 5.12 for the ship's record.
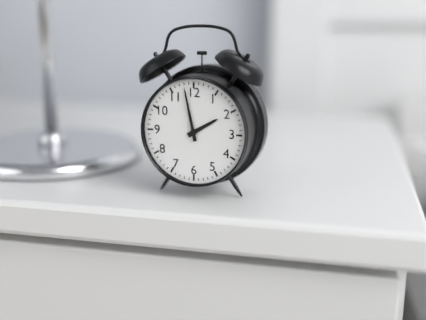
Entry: 1.58
